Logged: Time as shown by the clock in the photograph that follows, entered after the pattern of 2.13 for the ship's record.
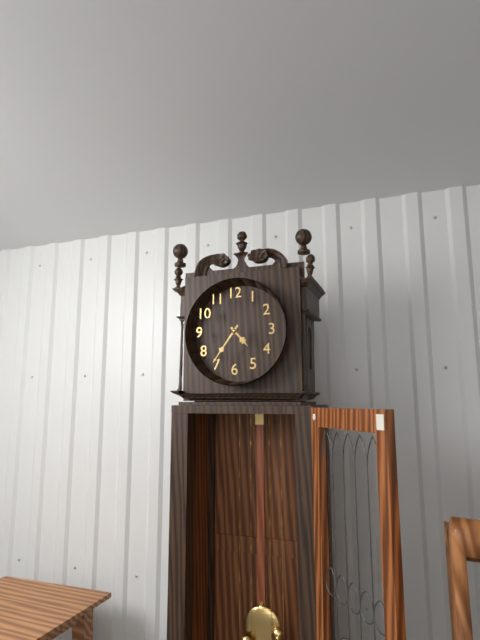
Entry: 4.36
